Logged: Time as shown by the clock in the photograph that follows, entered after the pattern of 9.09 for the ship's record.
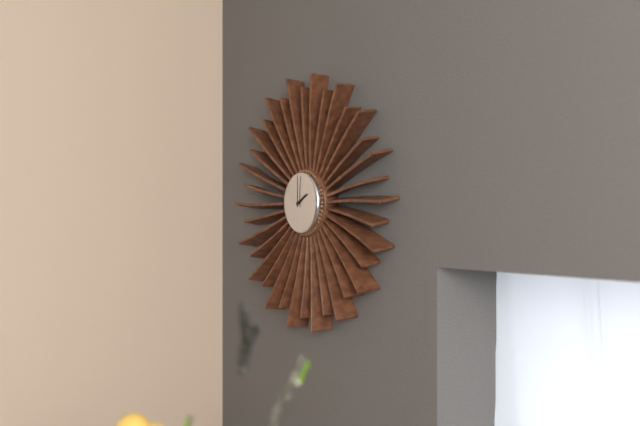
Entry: 2.00
